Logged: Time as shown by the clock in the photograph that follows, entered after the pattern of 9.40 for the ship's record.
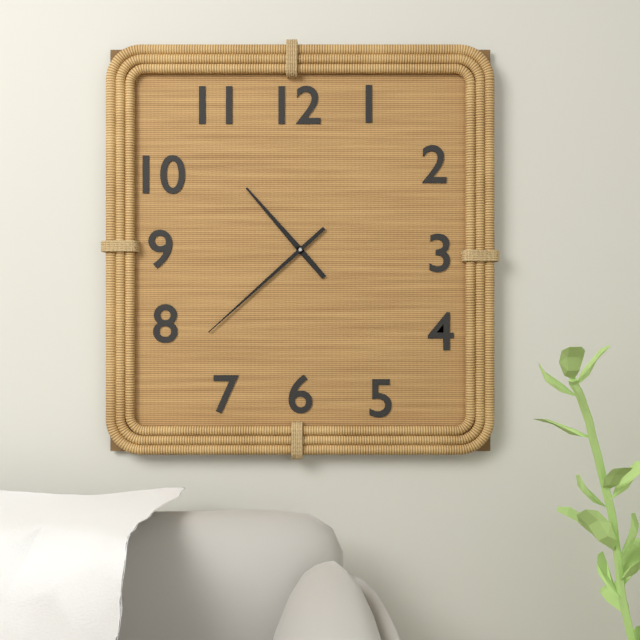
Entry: 10.38
